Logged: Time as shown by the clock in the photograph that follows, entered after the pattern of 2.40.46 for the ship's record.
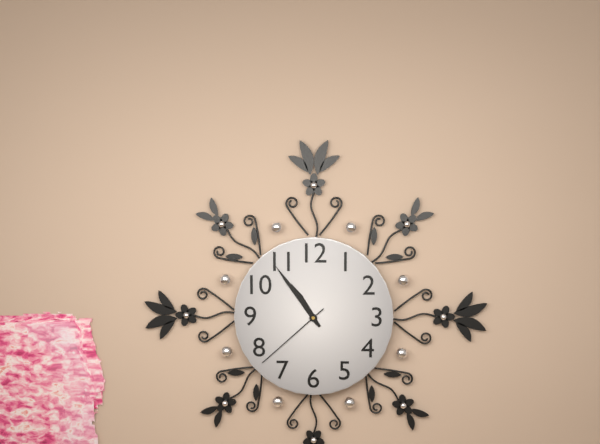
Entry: 10.54.38
